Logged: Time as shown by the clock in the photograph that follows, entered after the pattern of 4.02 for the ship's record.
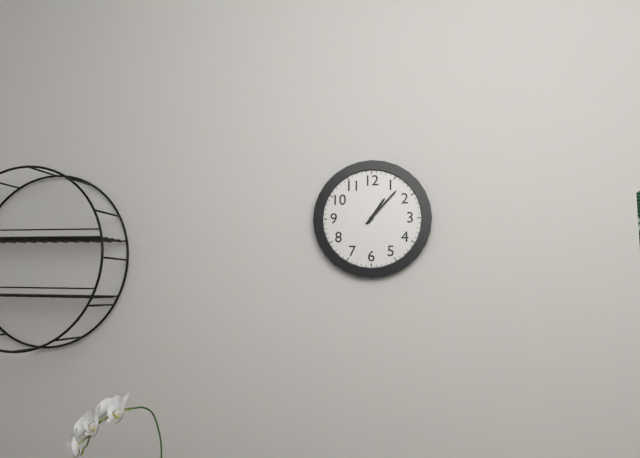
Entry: 1.07
